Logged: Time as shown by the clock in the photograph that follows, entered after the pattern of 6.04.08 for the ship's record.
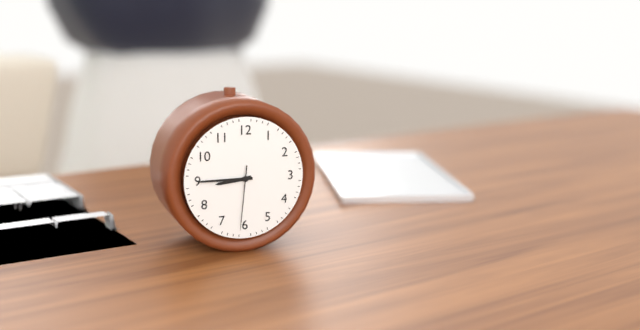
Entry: 8.45.31
